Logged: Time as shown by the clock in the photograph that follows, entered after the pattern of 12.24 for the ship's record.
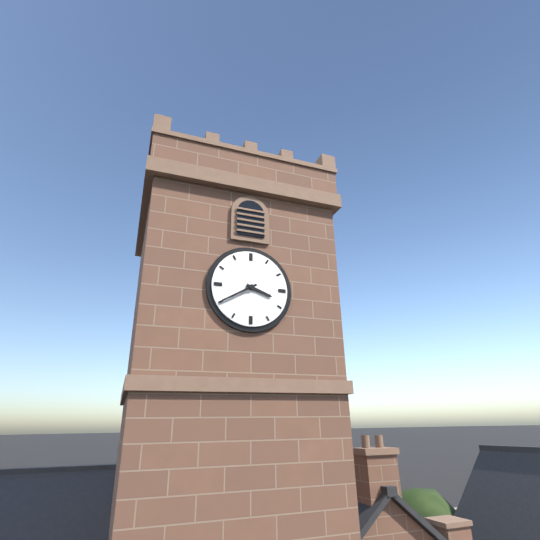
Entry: 3.40
